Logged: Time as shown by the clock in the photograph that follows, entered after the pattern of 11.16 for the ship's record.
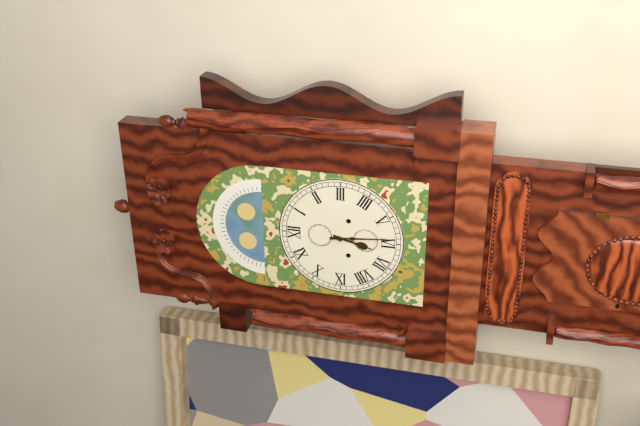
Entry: 6.29
